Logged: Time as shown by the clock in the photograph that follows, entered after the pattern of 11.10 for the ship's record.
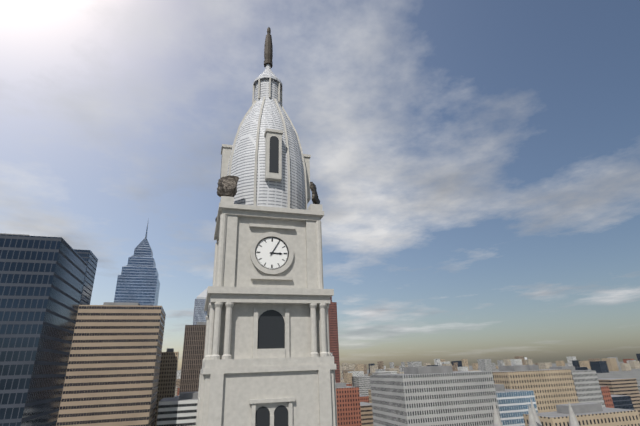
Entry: 3.05
